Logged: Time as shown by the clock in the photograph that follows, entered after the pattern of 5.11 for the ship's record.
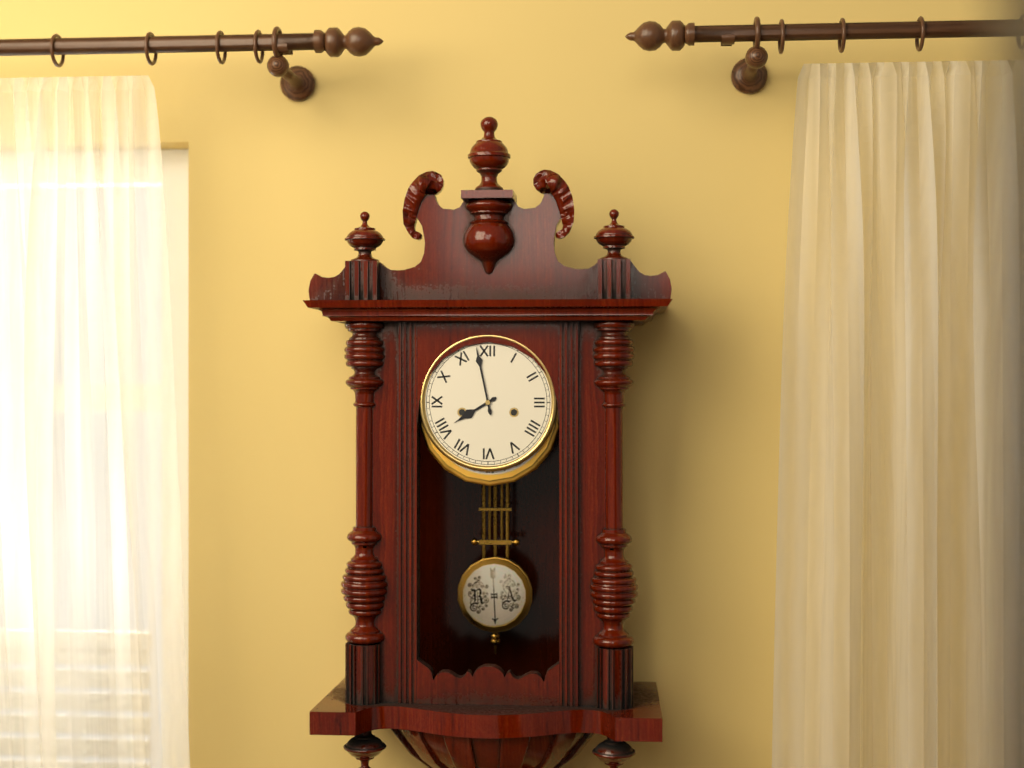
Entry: 7.58
